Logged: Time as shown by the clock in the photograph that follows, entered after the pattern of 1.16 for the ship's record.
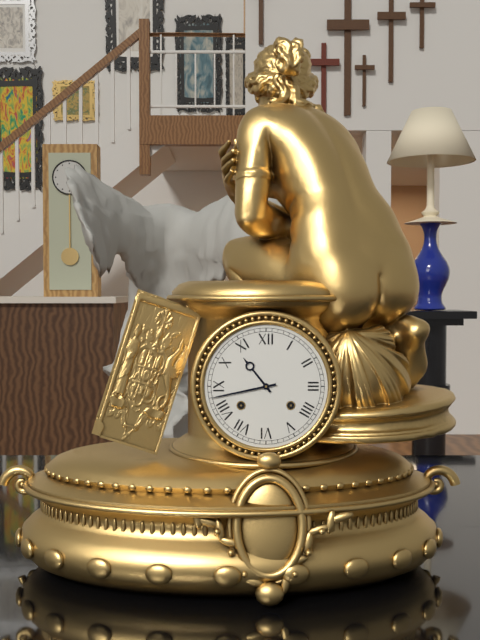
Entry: 10.43
